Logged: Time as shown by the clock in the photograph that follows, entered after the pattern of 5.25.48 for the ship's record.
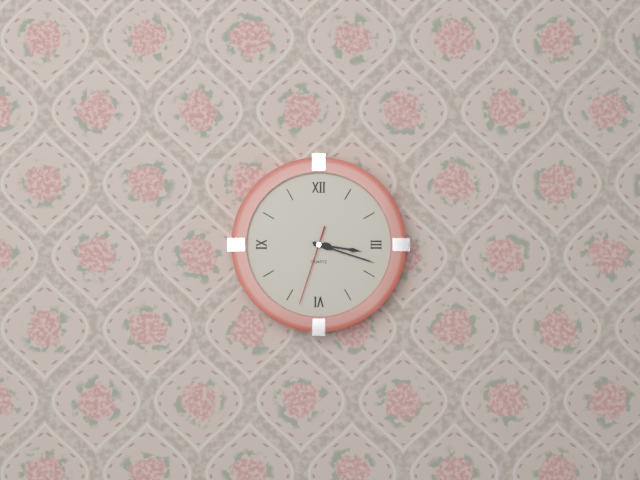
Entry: 3.18.33
